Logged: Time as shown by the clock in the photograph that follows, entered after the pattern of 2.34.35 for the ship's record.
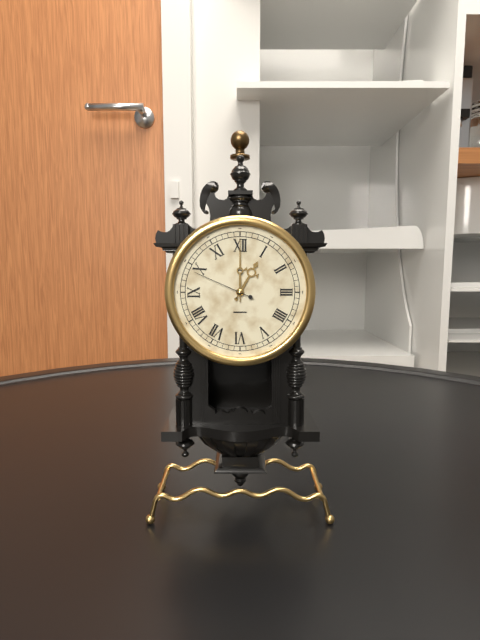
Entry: 1.00.49
